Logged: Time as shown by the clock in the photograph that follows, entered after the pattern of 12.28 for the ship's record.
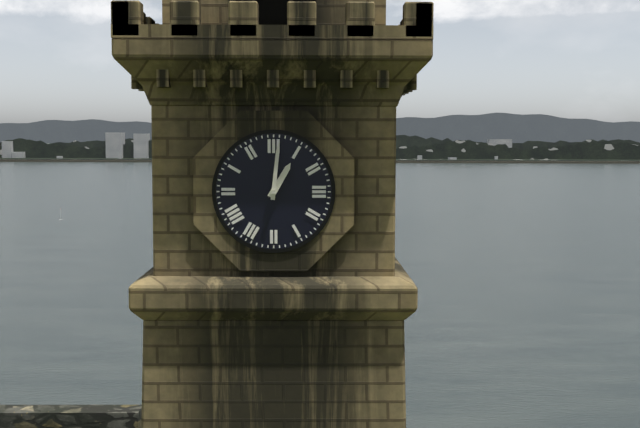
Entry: 1.01
